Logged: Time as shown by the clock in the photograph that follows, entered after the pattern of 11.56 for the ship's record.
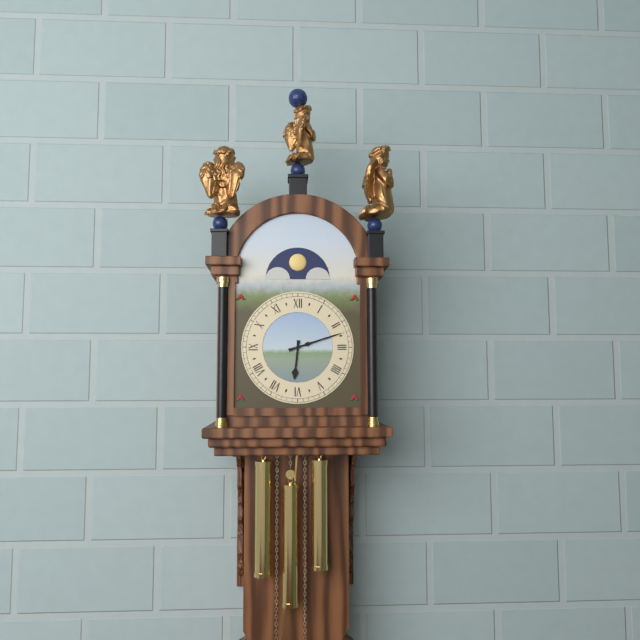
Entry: 6.12
